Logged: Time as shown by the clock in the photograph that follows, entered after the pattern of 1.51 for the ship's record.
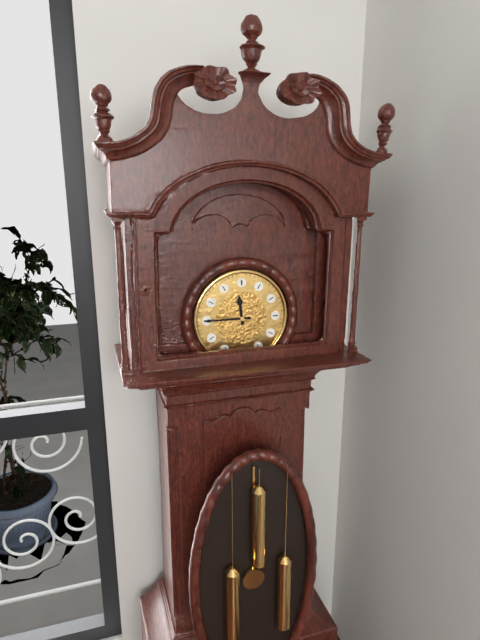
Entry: 11.45
